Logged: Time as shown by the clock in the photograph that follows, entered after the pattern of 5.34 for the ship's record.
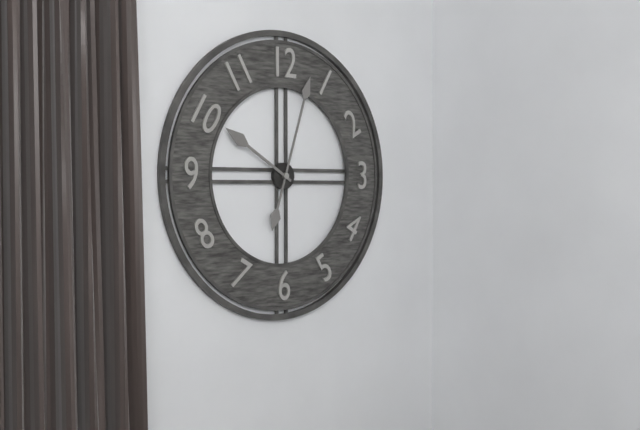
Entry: 10.03
